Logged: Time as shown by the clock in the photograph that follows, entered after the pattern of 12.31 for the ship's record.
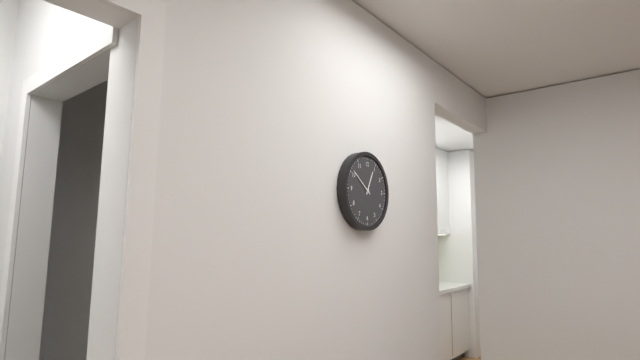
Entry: 12.51
